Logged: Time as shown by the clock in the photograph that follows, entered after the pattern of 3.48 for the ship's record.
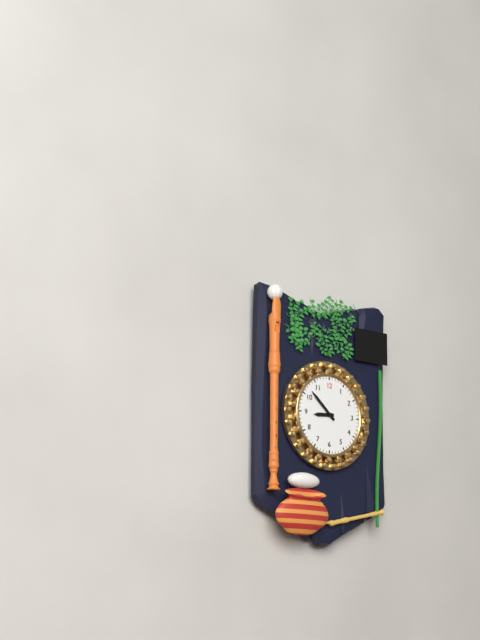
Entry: 8.52
